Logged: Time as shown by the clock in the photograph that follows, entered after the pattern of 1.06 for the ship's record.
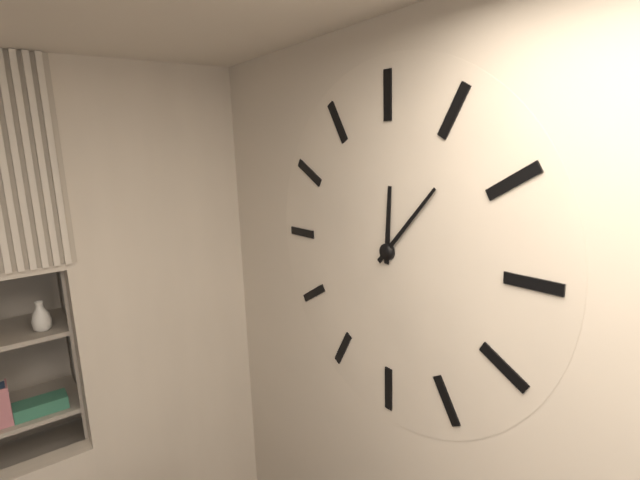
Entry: 12.07
